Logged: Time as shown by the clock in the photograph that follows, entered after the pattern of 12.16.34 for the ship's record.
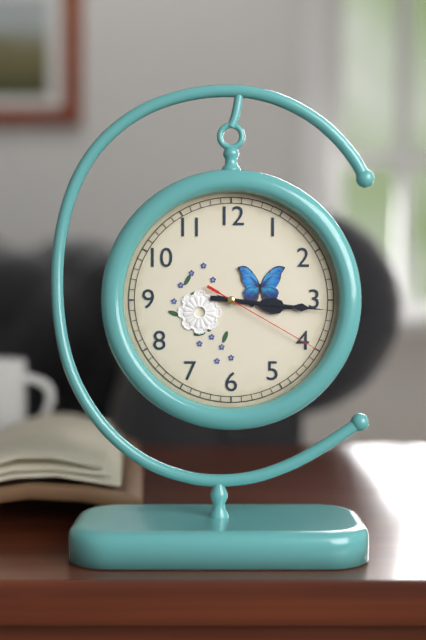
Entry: 3.16.20
